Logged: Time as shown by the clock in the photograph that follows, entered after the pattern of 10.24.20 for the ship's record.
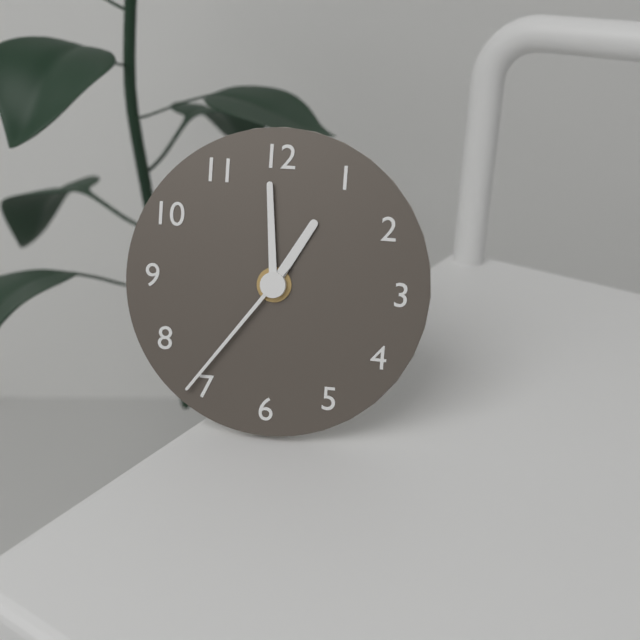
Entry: 12.59.36
